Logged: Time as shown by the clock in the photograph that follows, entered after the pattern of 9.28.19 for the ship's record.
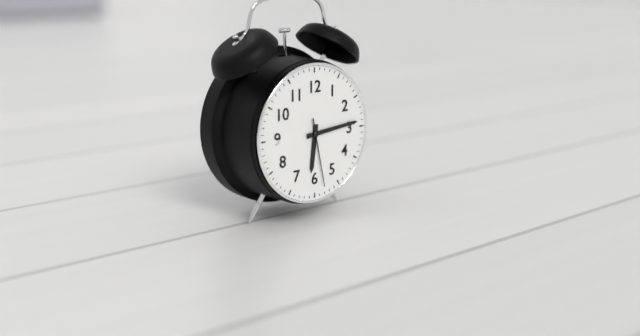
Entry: 6.14.28
